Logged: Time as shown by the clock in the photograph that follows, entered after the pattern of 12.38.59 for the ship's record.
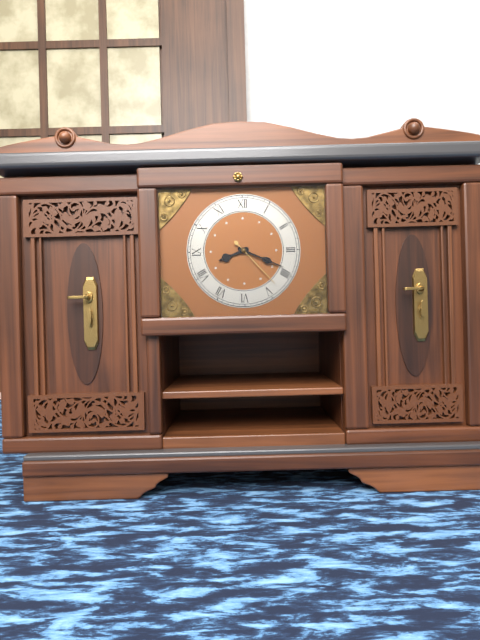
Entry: 8.19.23
